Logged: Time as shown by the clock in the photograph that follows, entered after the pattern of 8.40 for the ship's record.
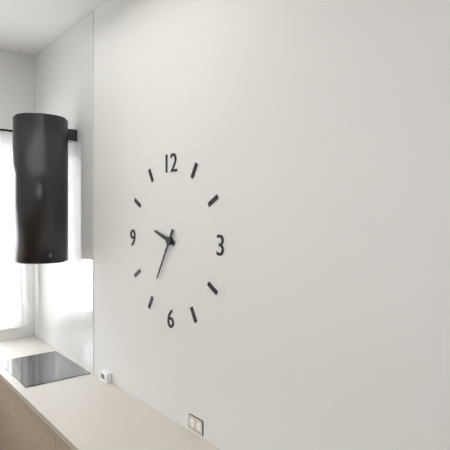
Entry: 9.35
